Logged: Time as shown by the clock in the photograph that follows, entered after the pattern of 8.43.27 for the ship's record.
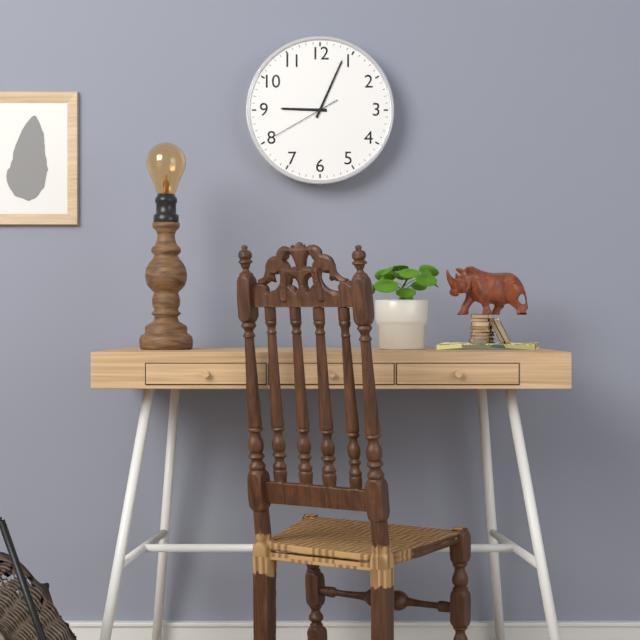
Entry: 9.04.40
